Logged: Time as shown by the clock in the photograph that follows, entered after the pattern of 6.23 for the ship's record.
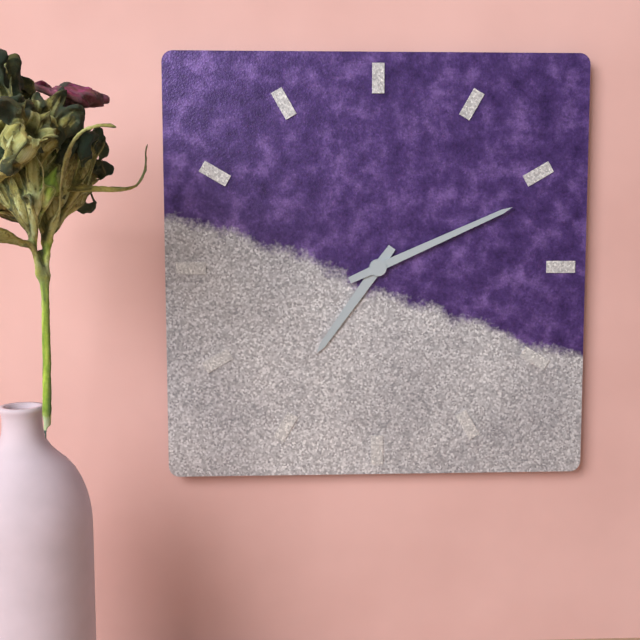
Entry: 7.11
